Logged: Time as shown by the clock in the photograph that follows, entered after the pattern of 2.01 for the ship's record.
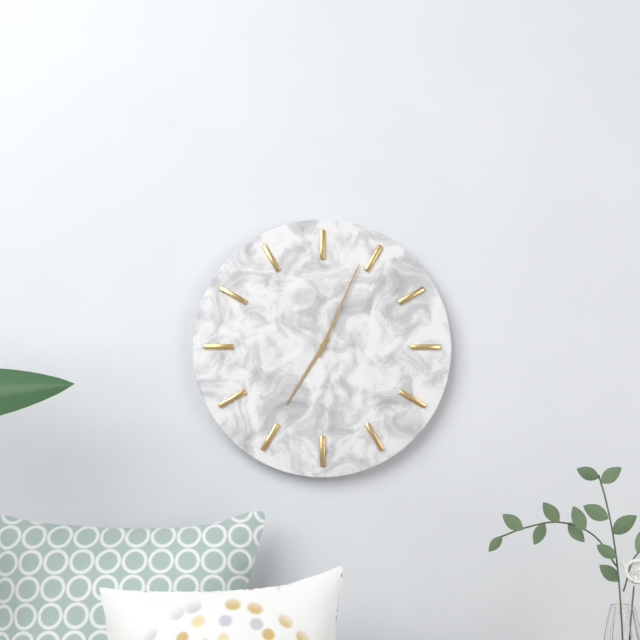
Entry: 7.04
